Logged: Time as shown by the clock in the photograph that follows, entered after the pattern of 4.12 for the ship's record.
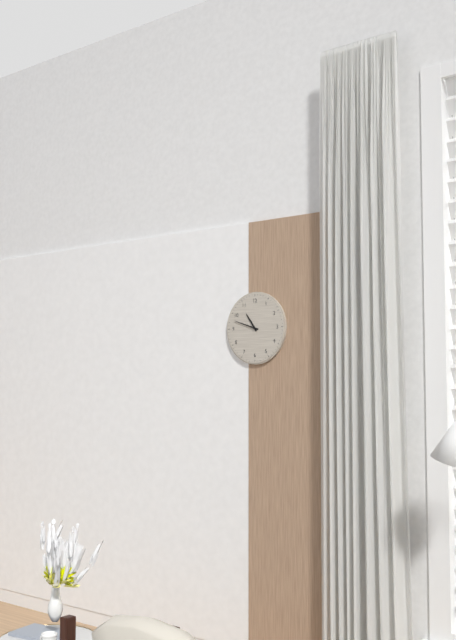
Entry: 10.48
